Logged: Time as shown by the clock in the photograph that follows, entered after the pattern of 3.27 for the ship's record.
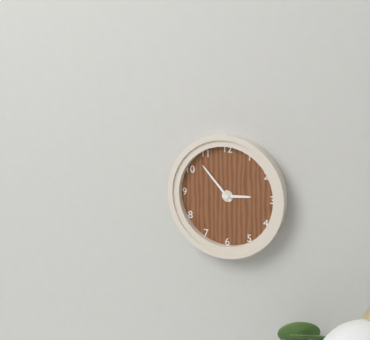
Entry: 2.53
